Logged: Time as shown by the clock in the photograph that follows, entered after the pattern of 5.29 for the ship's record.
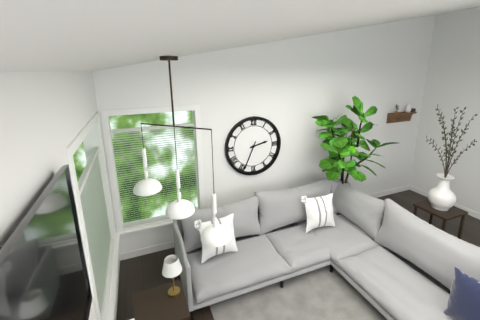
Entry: 2.34
